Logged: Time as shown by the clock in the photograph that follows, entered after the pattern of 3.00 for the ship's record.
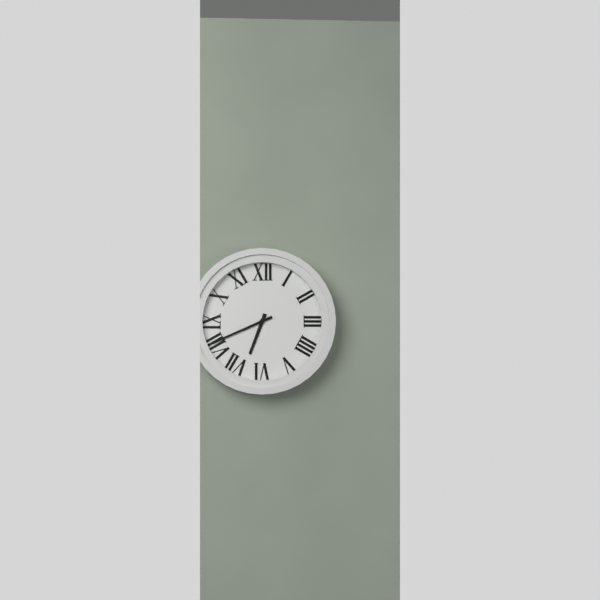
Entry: 6.41
